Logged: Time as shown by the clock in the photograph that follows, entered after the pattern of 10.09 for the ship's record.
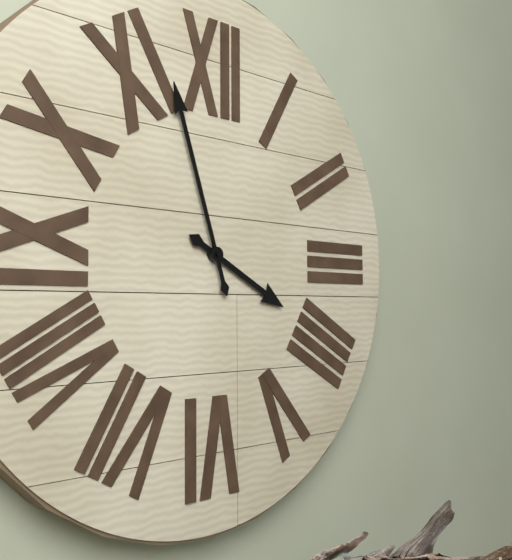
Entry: 3.57
